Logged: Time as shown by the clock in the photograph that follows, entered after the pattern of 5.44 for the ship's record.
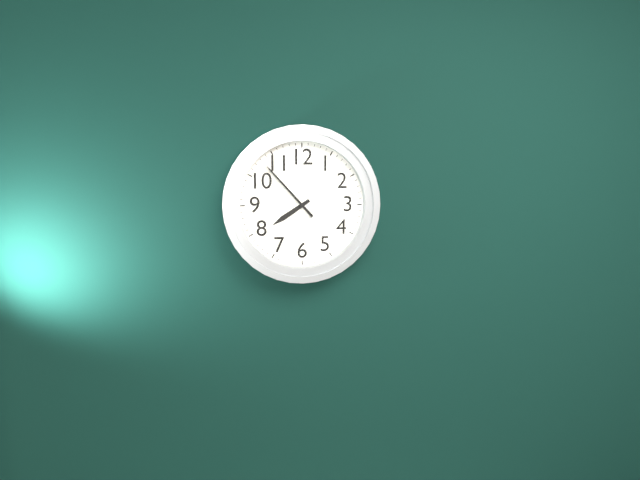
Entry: 7.53
